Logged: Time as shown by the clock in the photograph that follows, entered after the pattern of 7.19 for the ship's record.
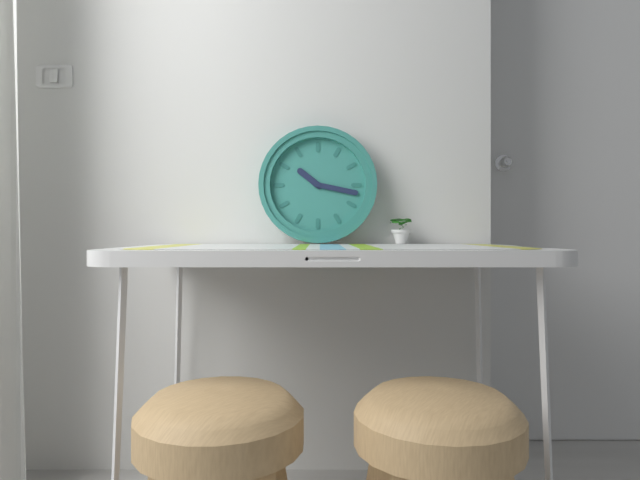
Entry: 10.17
